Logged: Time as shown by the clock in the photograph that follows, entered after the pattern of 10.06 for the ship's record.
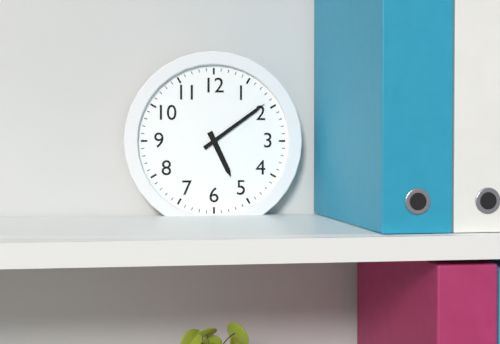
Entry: 5.09
